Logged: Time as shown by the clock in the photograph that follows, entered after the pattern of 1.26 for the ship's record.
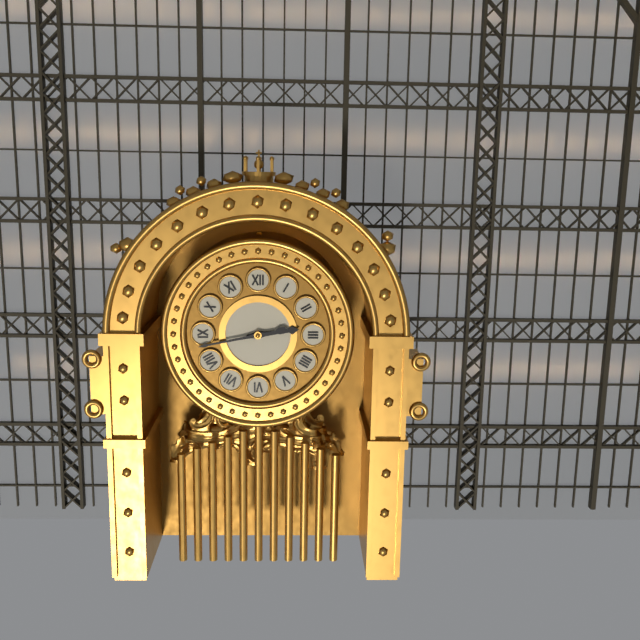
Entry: 2.43
